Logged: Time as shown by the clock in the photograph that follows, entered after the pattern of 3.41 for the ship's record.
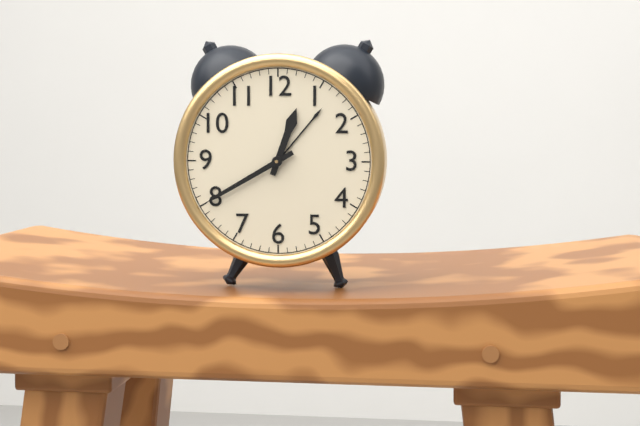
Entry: 12.40
